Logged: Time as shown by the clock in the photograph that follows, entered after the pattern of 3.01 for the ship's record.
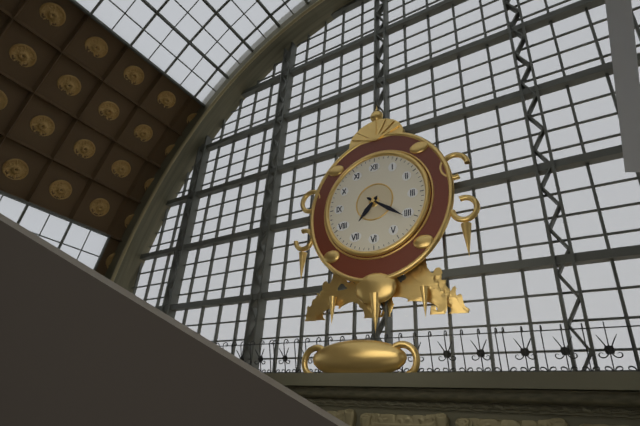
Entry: 7.21
